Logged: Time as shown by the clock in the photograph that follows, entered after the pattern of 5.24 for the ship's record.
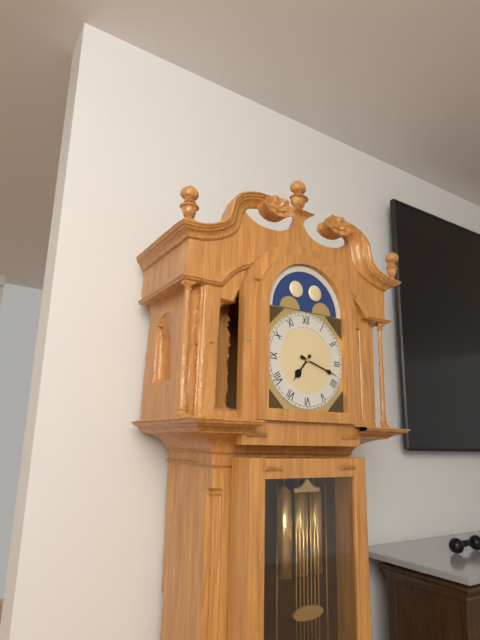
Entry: 7.18
